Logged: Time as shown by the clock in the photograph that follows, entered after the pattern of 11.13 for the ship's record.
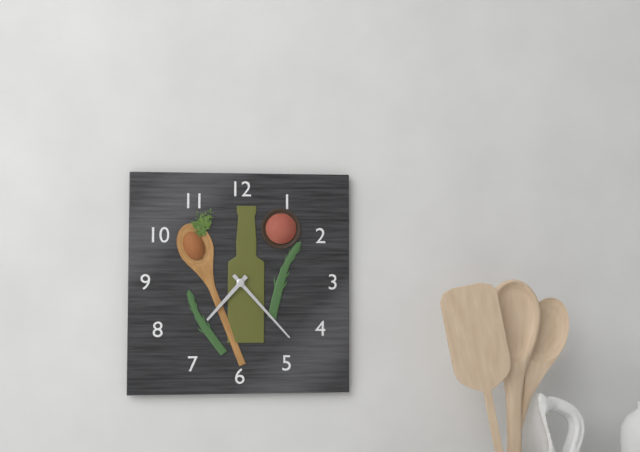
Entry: 7.23
